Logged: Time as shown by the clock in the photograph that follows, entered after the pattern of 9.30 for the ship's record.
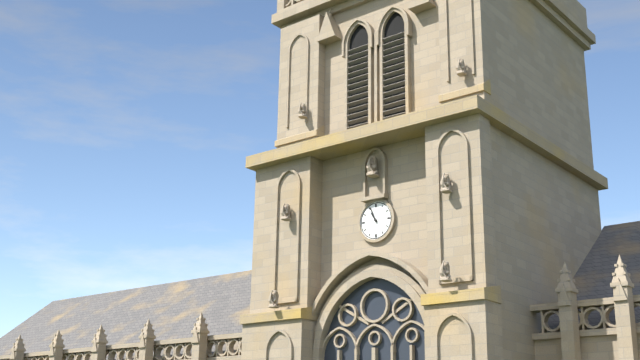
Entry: 10.56
